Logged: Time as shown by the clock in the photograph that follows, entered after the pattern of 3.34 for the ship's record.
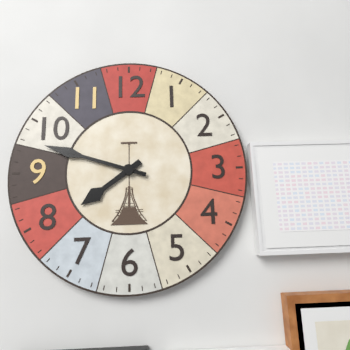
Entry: 7.48
